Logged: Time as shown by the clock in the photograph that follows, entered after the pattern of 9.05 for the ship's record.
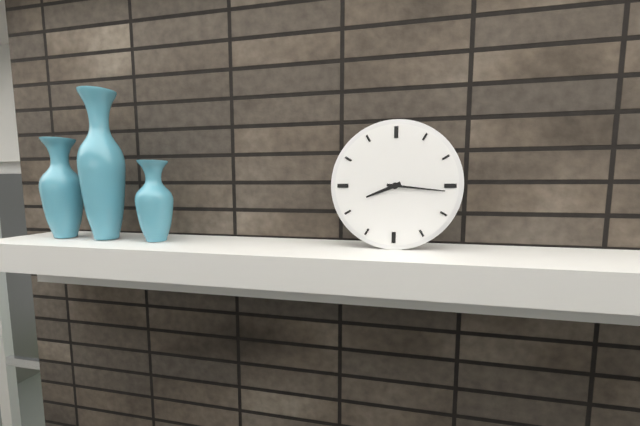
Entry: 8.16
